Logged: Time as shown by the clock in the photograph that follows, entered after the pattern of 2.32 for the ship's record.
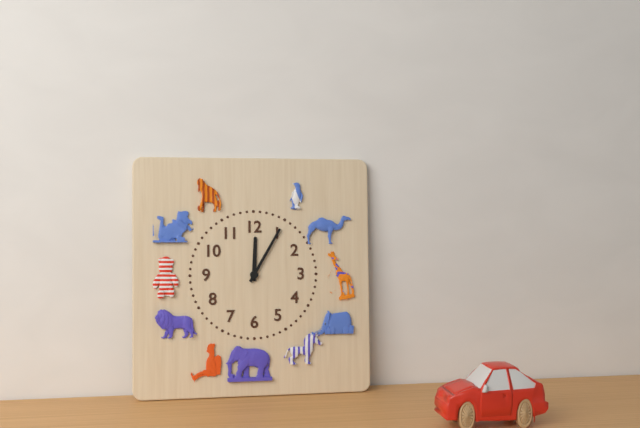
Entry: 12.05
